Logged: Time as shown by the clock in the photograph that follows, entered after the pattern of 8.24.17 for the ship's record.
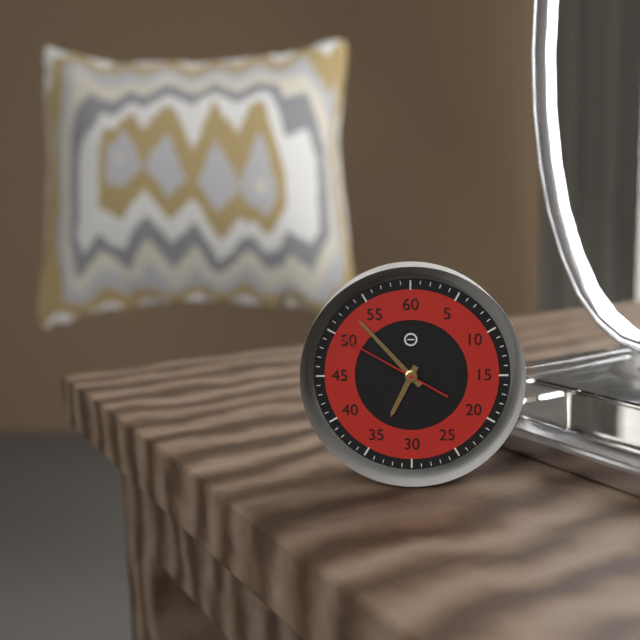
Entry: 6.53.50
